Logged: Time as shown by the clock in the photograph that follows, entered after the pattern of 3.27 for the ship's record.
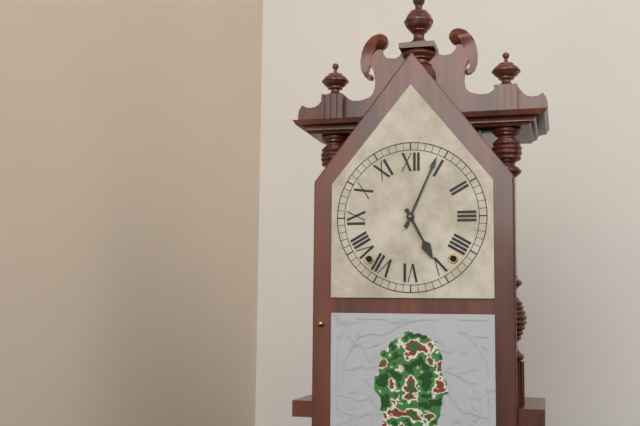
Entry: 5.04
